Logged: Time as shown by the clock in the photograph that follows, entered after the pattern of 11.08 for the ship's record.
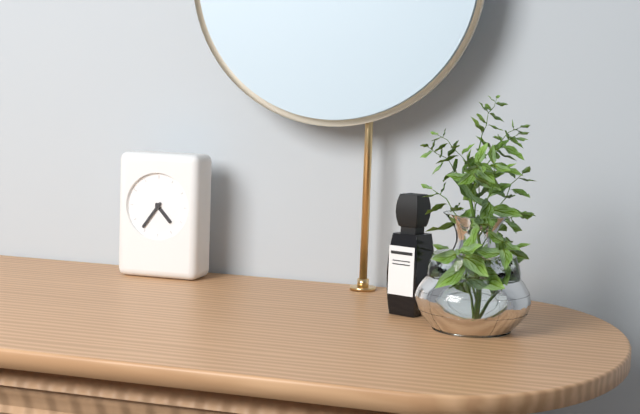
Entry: 4.36
